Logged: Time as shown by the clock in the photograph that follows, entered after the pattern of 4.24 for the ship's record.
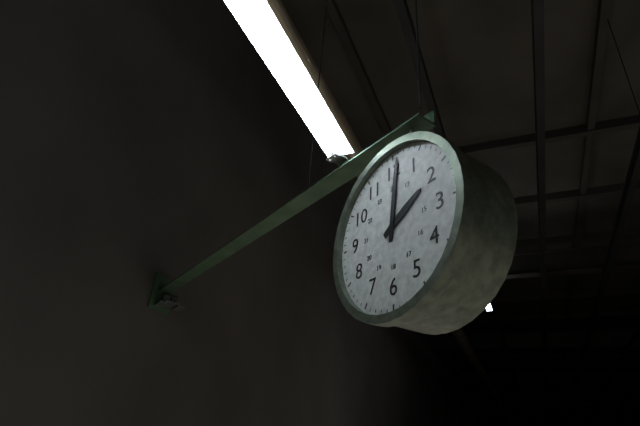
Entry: 2.01
